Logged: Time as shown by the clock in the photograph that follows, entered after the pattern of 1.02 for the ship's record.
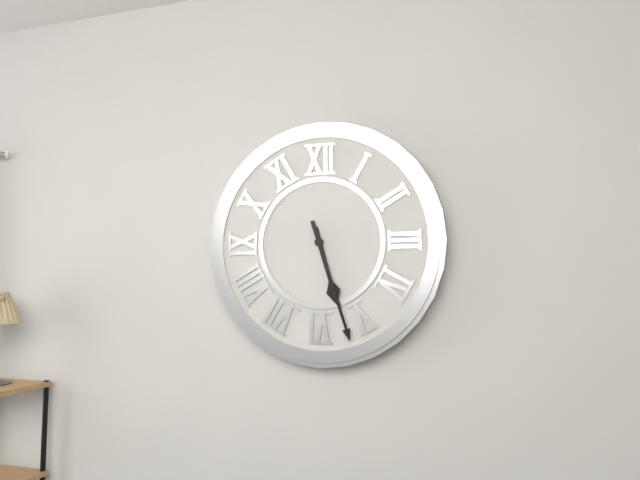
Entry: 5.27
